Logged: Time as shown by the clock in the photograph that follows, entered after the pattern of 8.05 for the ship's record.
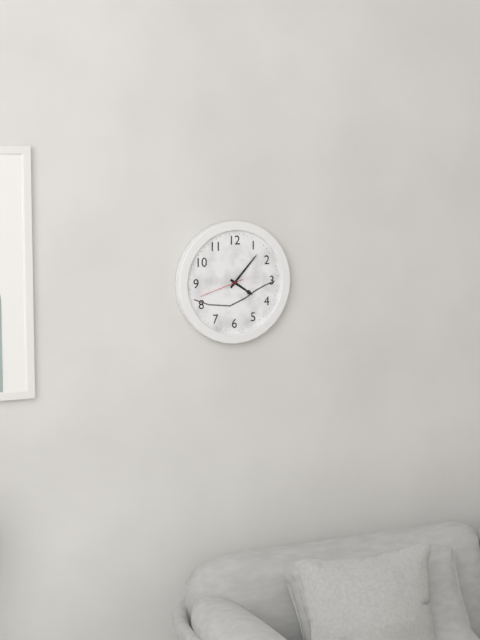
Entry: 4.07
